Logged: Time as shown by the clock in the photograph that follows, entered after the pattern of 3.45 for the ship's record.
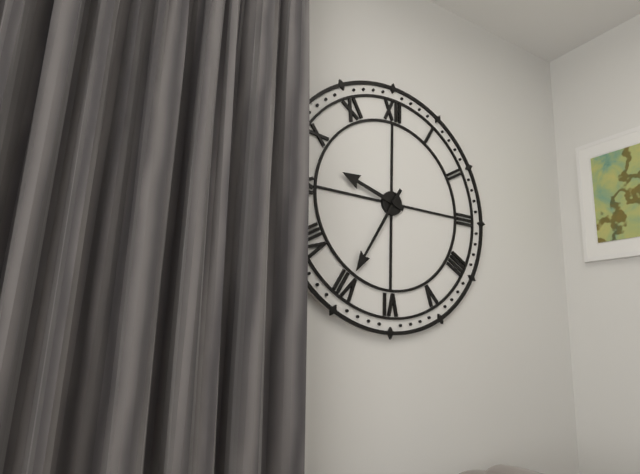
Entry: 9.35
